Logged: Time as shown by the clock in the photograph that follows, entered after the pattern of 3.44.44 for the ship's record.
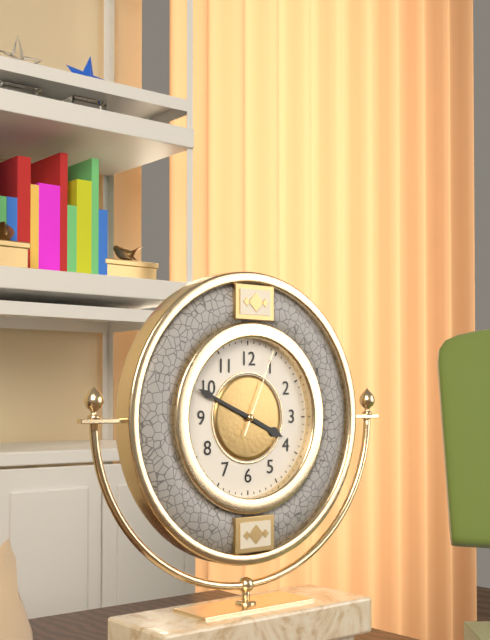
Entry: 3.49.04
